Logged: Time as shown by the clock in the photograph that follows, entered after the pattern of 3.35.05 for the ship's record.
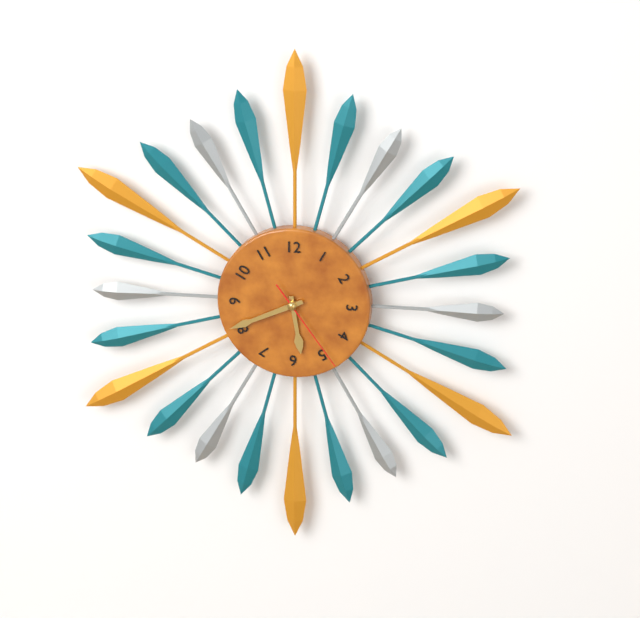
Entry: 5.41.24
